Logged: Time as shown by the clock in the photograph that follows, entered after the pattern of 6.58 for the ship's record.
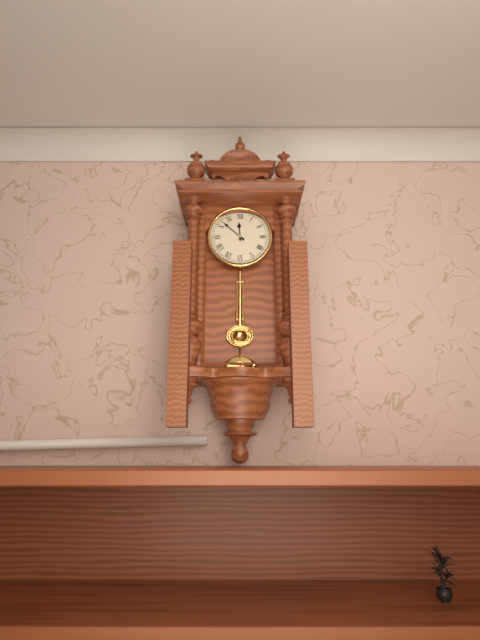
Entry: 11.52
